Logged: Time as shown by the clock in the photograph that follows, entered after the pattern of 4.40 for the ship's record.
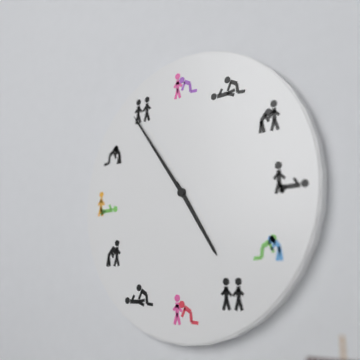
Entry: 4.54
